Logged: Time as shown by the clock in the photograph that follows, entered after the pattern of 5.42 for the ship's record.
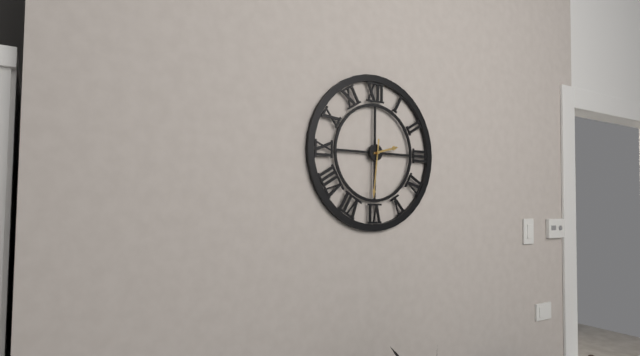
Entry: 2.31
